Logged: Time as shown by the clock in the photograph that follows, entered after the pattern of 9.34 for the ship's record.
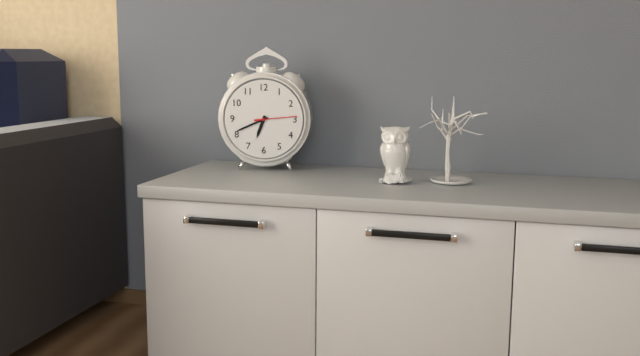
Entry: 6.41
